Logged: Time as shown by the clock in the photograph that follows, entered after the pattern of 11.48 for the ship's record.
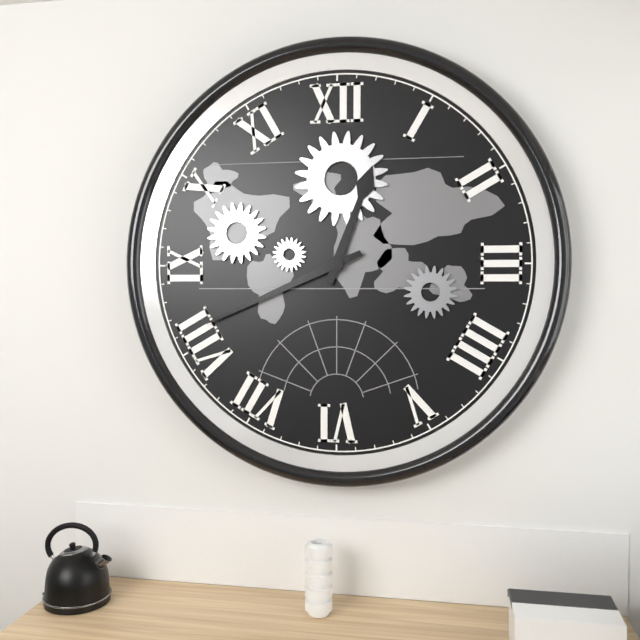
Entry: 12.41
